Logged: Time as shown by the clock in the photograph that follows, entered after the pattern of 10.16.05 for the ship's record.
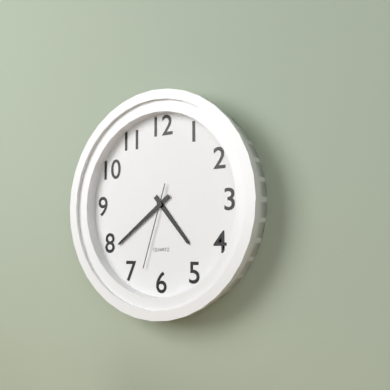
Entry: 4.39.33
